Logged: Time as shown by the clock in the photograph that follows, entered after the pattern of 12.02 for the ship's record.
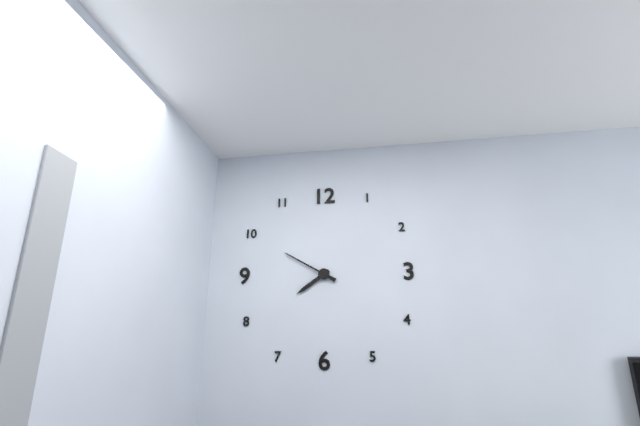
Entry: 7.50
